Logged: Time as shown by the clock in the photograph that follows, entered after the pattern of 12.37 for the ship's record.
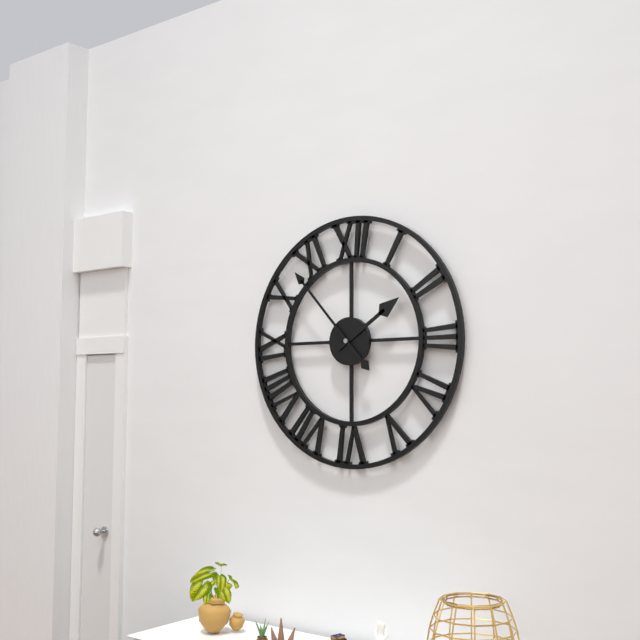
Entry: 1.53
